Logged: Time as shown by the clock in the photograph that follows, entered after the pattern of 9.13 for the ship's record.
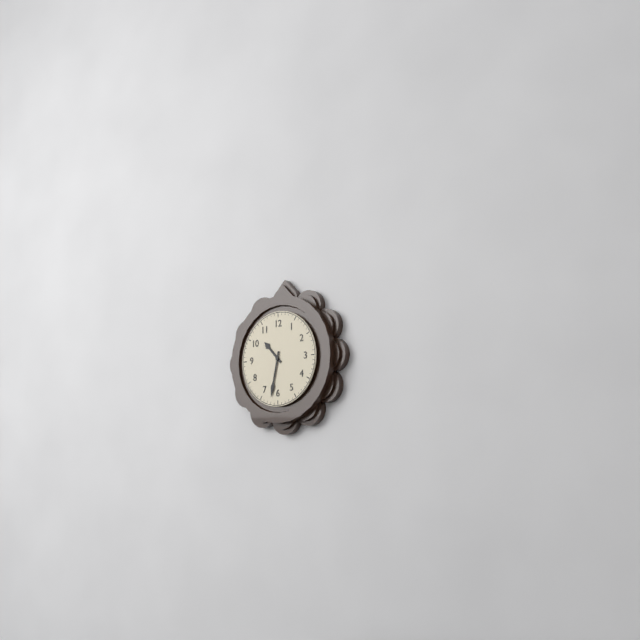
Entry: 10.32
